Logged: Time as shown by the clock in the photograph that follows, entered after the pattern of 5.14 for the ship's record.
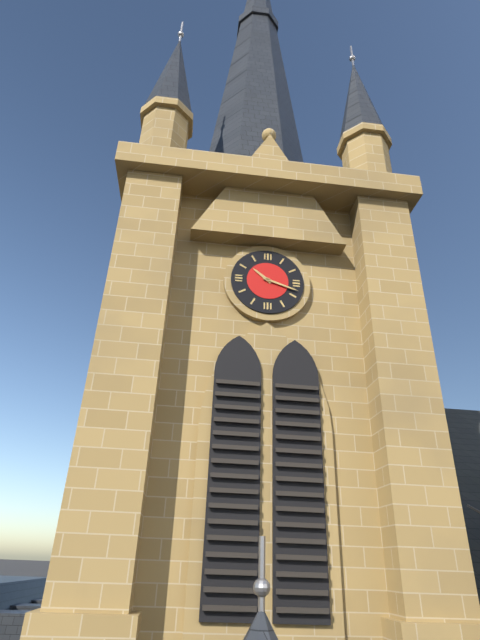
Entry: 10.18
